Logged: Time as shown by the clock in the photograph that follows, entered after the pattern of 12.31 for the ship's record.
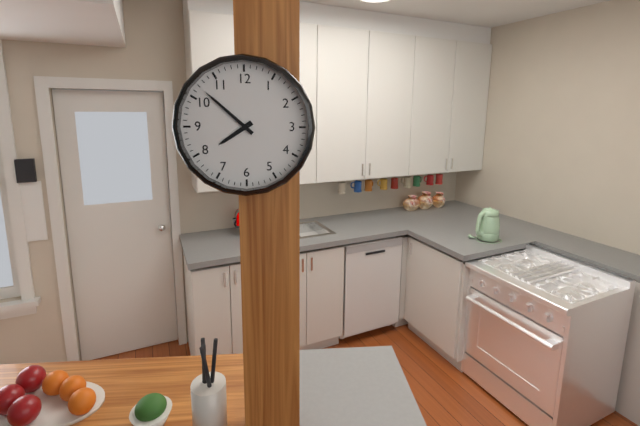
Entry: 7.52
